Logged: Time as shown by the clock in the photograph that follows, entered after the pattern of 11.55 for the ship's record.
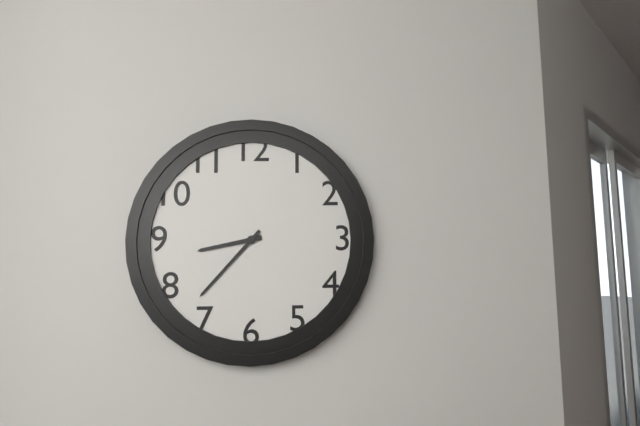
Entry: 8.37
